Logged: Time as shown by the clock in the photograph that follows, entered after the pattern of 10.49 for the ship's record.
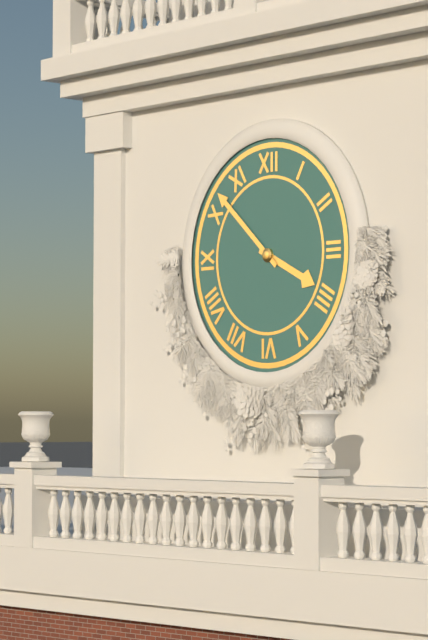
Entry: 3.52
